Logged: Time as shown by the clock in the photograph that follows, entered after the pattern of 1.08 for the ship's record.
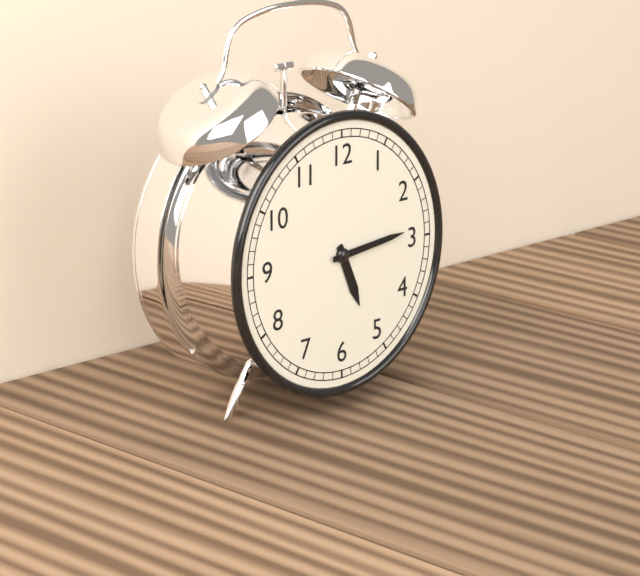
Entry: 5.14
